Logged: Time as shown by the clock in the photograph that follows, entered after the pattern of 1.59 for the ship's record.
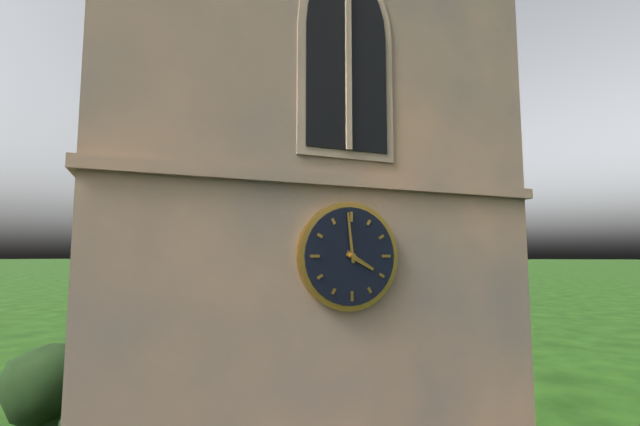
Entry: 3.59
